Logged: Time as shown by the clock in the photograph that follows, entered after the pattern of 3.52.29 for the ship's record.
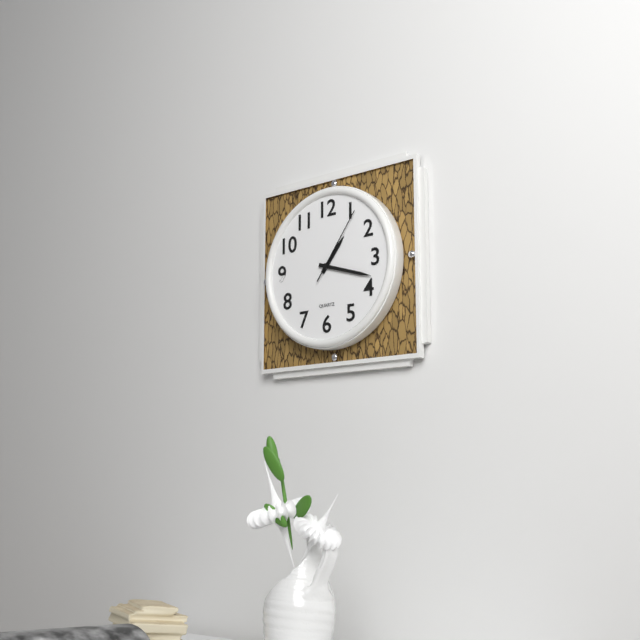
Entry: 1.18.06
